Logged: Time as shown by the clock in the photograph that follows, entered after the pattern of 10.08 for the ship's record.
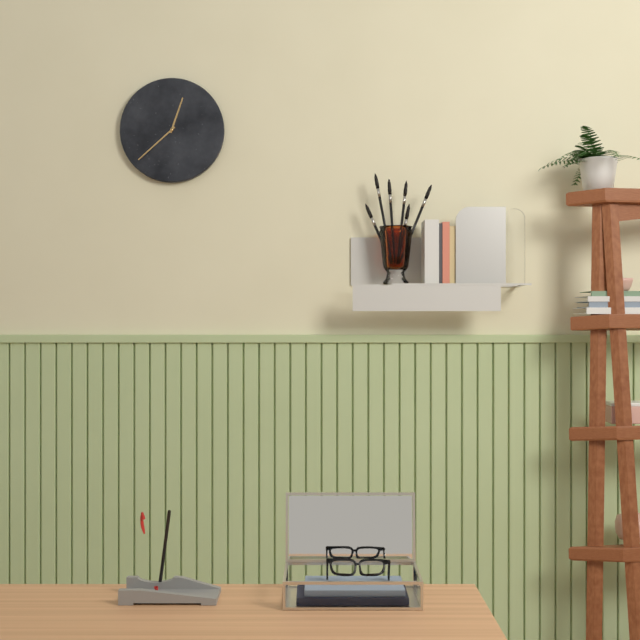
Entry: 12.38
